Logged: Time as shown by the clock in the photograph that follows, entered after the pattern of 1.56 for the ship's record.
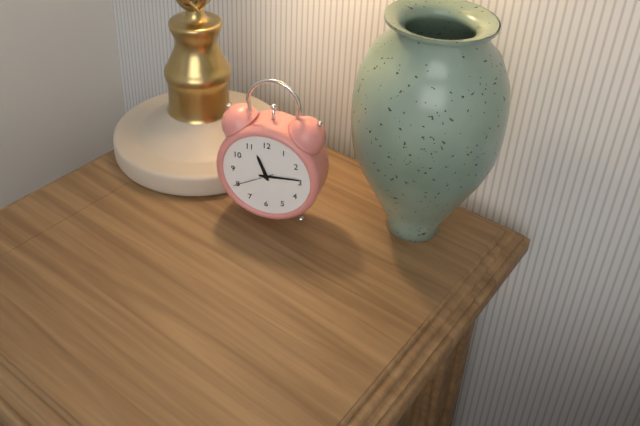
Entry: 11.14
